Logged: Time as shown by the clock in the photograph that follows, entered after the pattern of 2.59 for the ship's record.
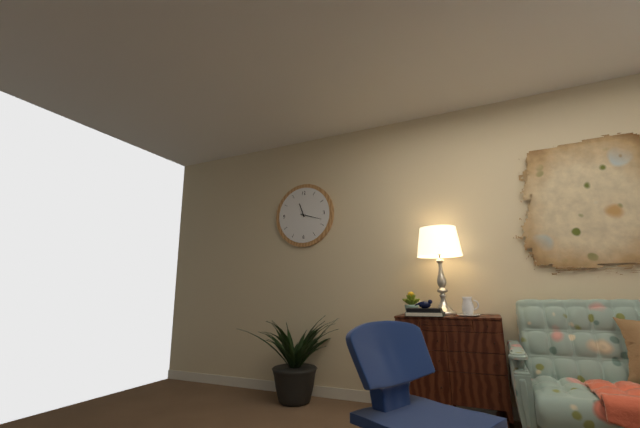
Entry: 11.18
